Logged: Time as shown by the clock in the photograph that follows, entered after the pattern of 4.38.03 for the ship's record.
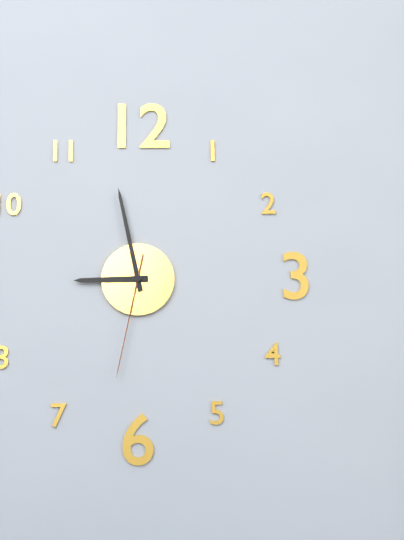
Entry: 8.58.32
